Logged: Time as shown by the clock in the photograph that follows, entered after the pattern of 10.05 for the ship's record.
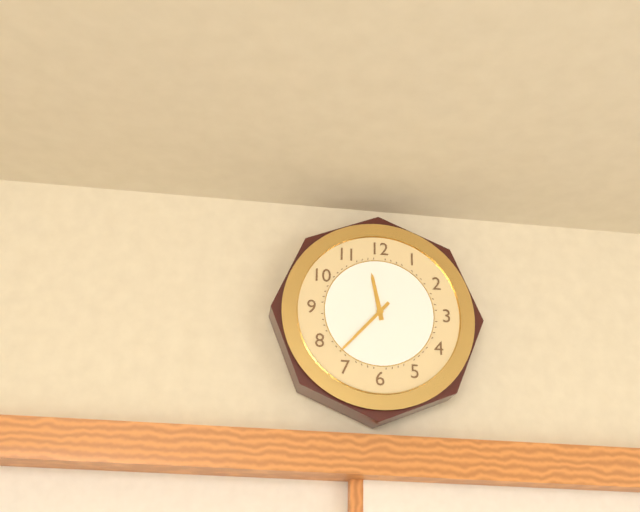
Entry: 11.37
